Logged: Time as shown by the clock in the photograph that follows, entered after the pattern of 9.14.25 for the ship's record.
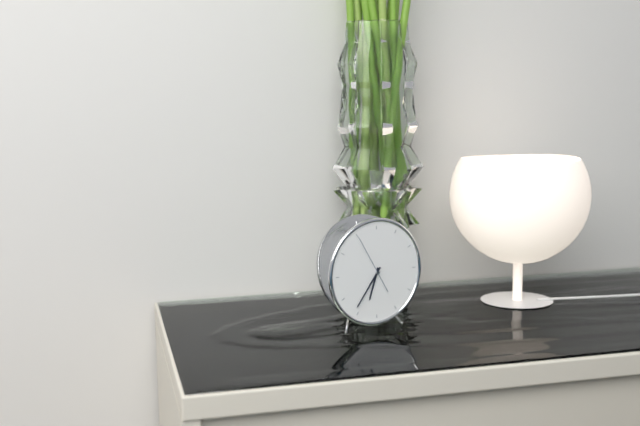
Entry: 6.36.55
